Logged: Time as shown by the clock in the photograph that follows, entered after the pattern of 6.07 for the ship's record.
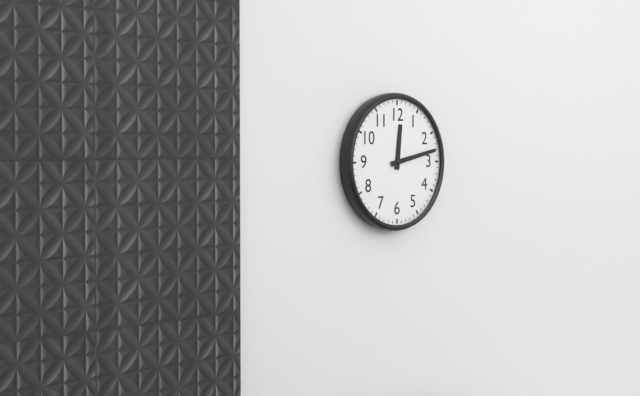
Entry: 12.13
